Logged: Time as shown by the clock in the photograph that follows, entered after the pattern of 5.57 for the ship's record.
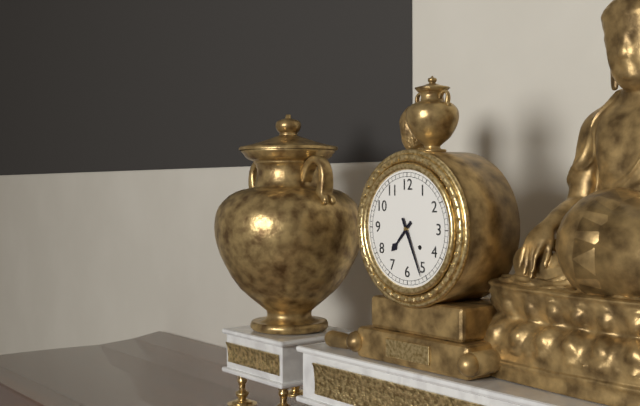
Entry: 7.26
